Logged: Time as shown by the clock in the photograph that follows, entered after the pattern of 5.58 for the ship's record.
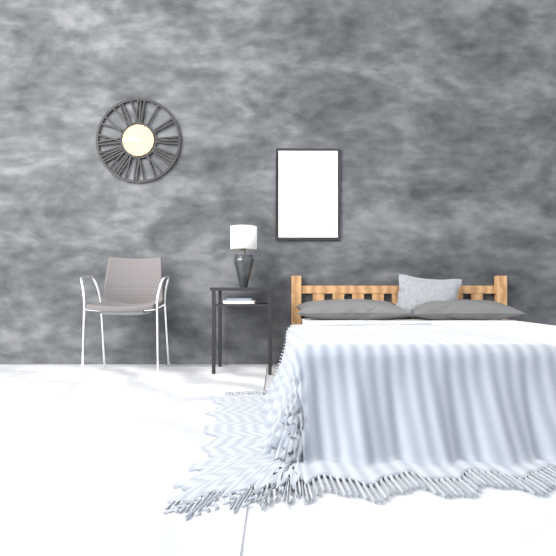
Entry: 9.45
